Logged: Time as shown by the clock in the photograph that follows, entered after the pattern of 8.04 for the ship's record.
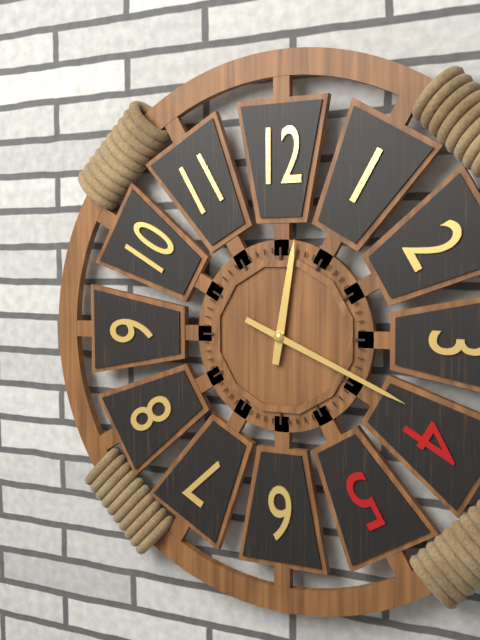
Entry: 12.19
